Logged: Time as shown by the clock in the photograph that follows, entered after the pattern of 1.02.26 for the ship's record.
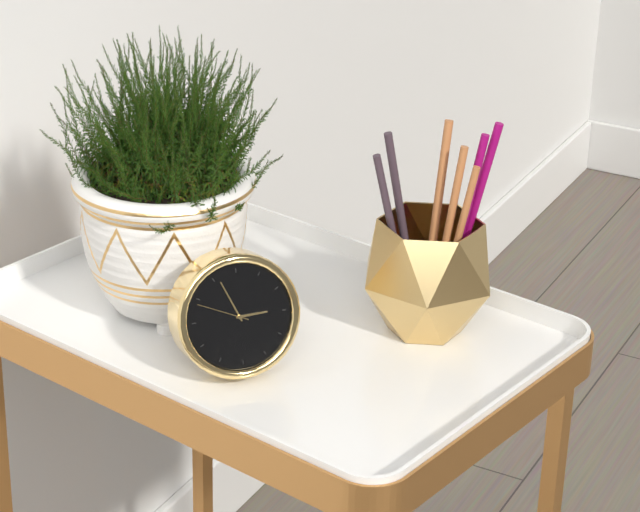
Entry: 2.56.49
